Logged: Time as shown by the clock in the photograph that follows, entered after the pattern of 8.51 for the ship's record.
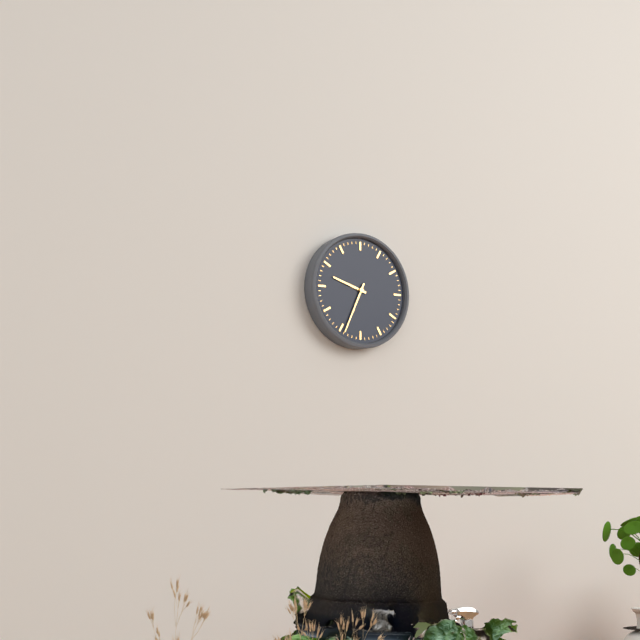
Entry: 9.34
